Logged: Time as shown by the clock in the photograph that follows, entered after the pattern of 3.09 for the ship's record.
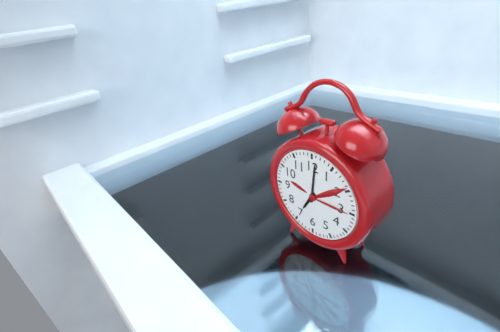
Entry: 7.01
